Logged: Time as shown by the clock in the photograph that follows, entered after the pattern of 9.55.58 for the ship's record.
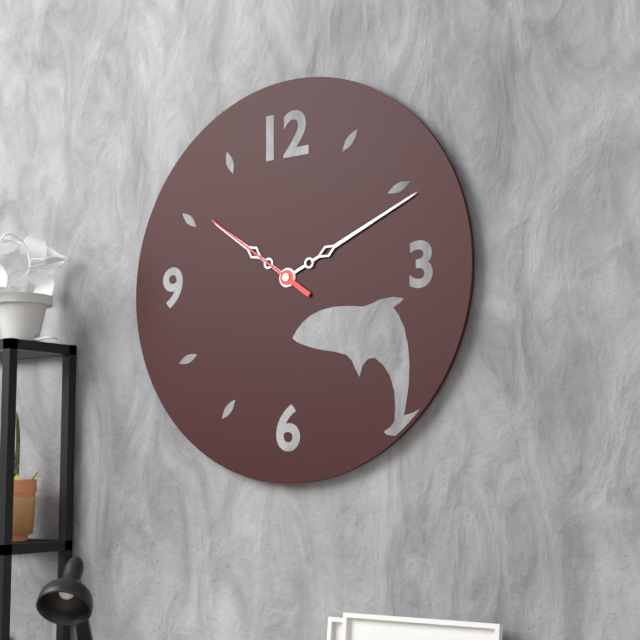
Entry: 10.11.51
